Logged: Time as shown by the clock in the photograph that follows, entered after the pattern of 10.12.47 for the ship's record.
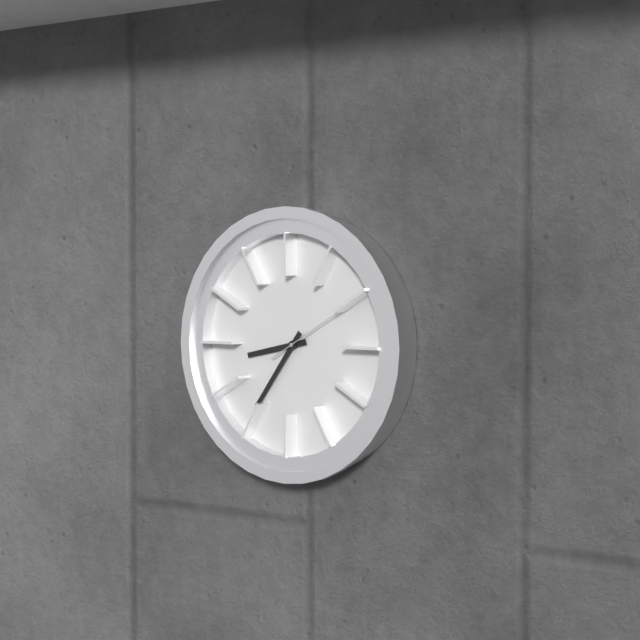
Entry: 8.36.10
